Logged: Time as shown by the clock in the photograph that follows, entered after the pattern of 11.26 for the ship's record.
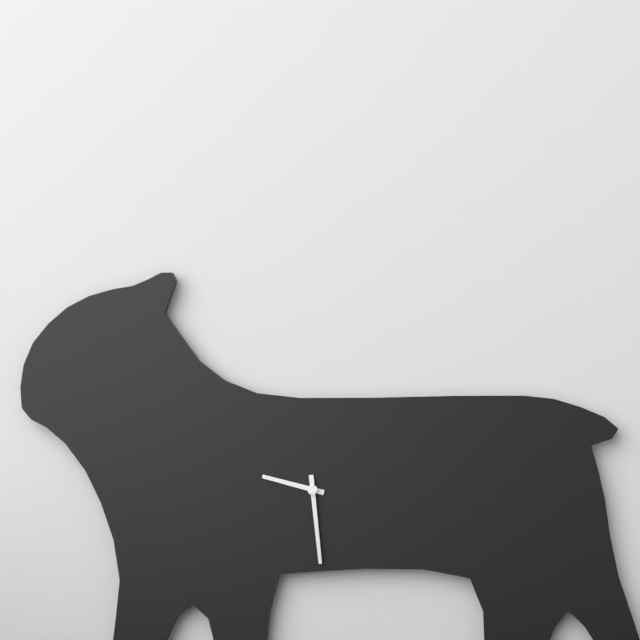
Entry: 9.29
